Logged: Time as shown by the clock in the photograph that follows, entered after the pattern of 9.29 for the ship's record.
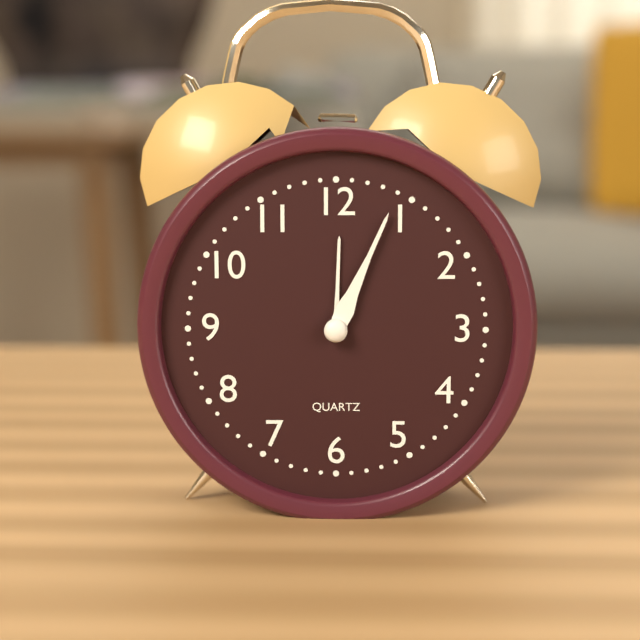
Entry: 12.04
